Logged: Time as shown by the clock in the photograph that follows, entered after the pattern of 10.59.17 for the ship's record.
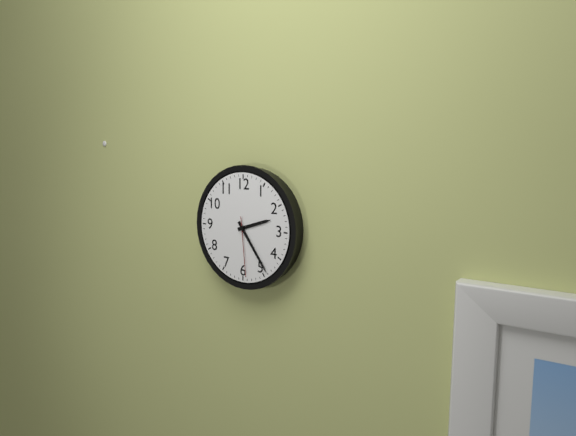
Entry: 2.24.29
